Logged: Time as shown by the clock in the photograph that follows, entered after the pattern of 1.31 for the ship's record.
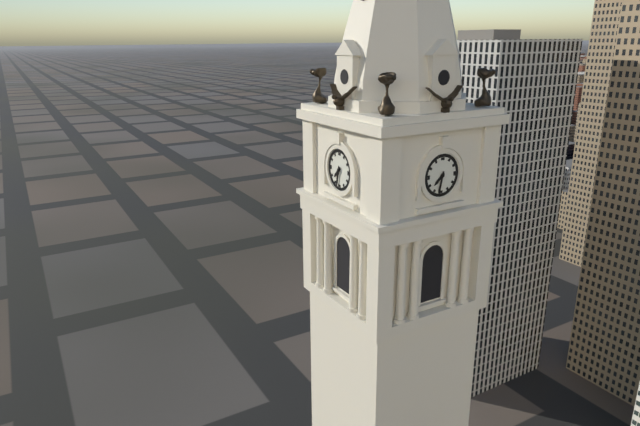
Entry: 7.32
